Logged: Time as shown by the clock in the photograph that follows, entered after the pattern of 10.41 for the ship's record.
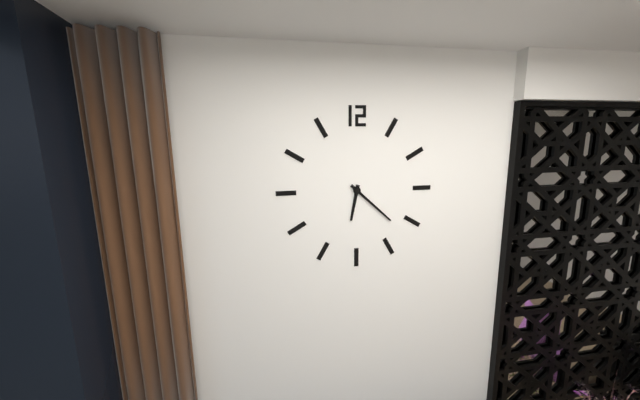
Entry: 6.22
